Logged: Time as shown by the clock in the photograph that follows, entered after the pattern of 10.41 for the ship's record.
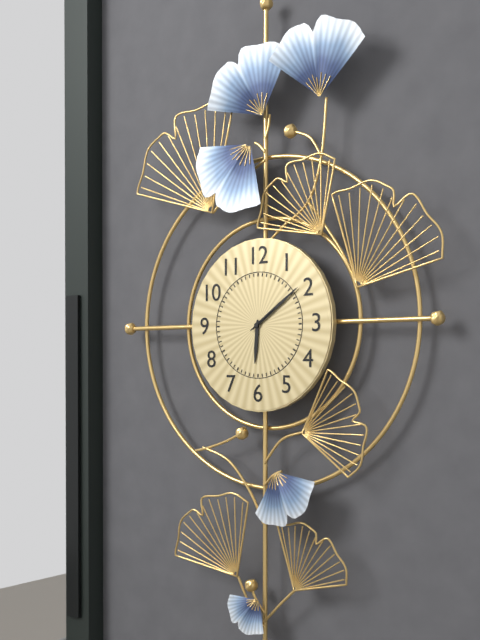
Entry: 6.09
